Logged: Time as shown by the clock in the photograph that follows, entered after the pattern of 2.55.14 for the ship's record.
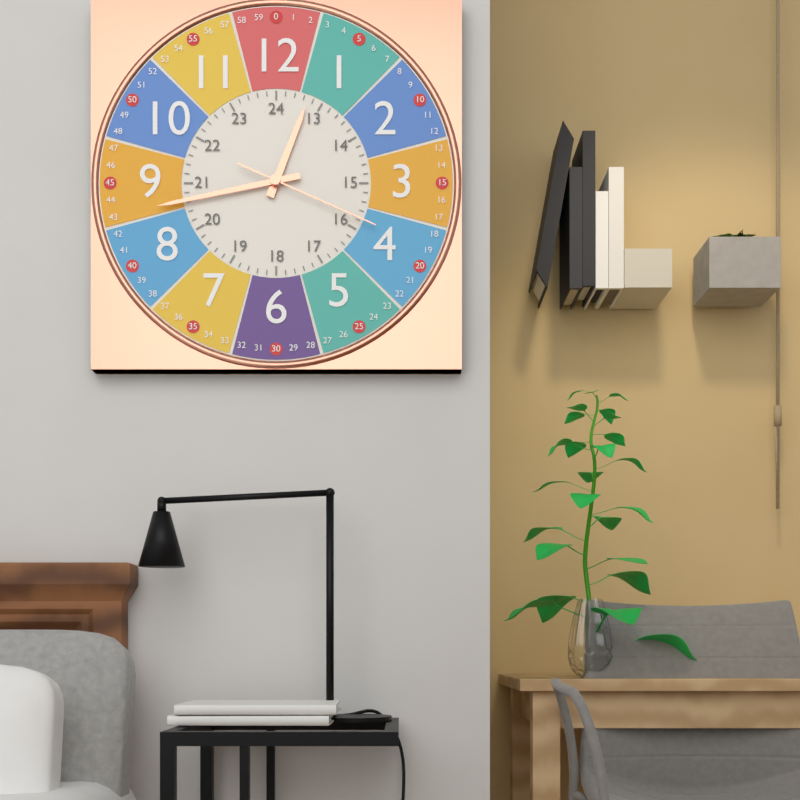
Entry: 12.43.19
